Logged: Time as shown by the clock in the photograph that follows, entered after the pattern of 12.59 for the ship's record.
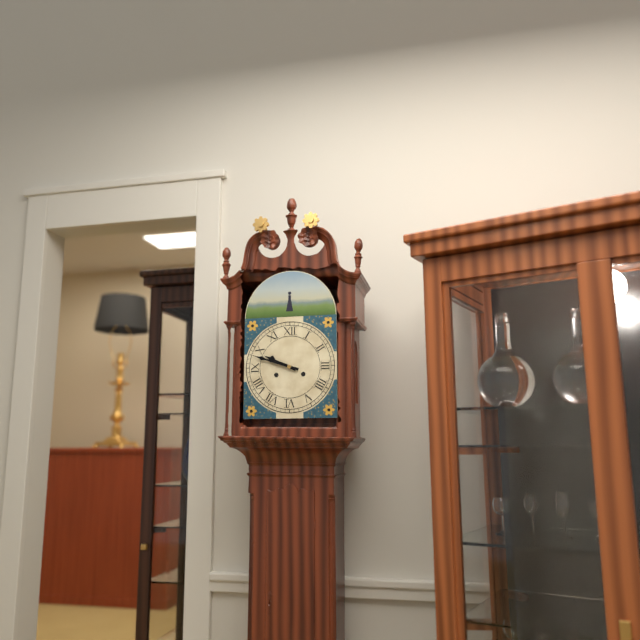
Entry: 9.48
